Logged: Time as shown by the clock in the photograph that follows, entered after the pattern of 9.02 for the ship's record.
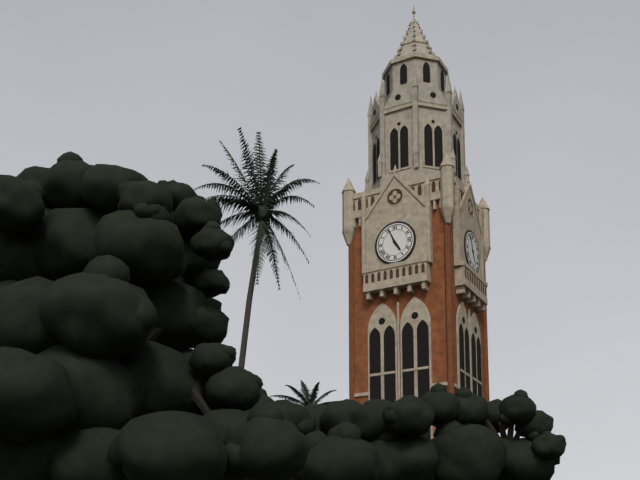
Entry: 4.56
